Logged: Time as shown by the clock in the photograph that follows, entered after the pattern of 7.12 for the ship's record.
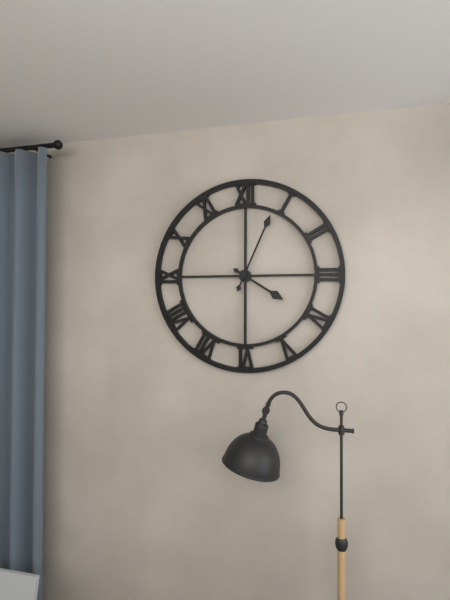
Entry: 4.04
